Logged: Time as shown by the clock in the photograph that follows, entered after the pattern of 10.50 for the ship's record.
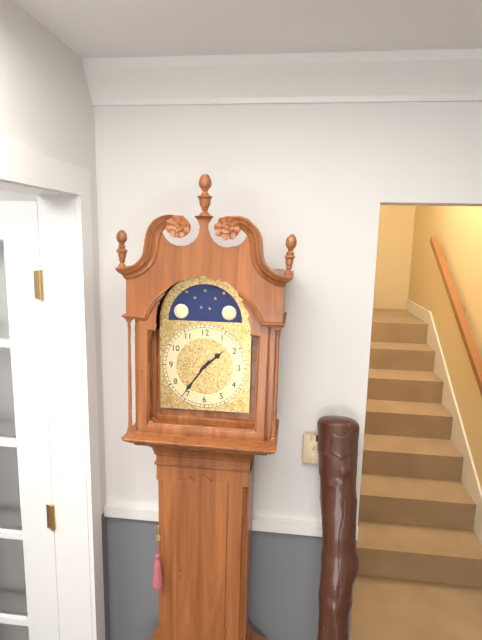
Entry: 1.36
